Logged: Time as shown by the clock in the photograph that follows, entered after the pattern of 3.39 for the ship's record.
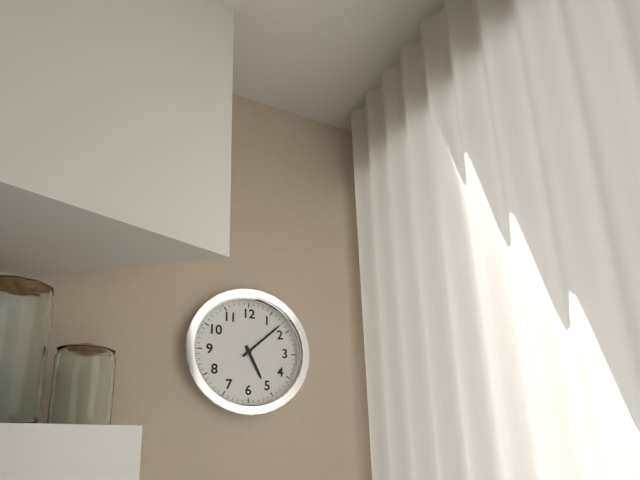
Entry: 5.08
